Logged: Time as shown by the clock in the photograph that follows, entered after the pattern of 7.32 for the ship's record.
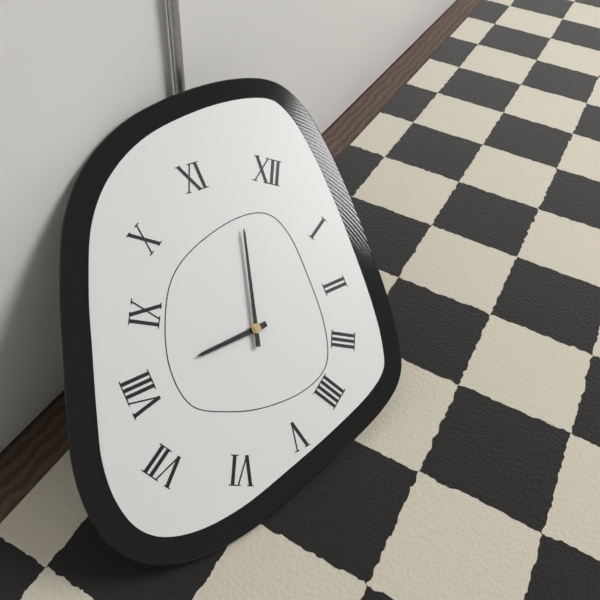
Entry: 7.58
